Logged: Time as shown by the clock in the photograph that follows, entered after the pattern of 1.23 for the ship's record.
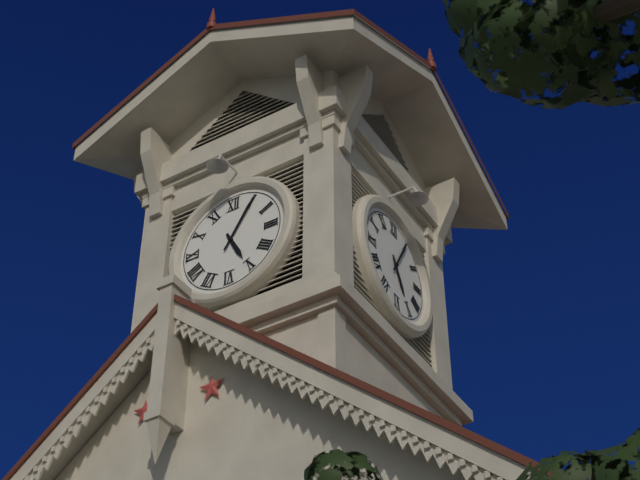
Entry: 5.05
